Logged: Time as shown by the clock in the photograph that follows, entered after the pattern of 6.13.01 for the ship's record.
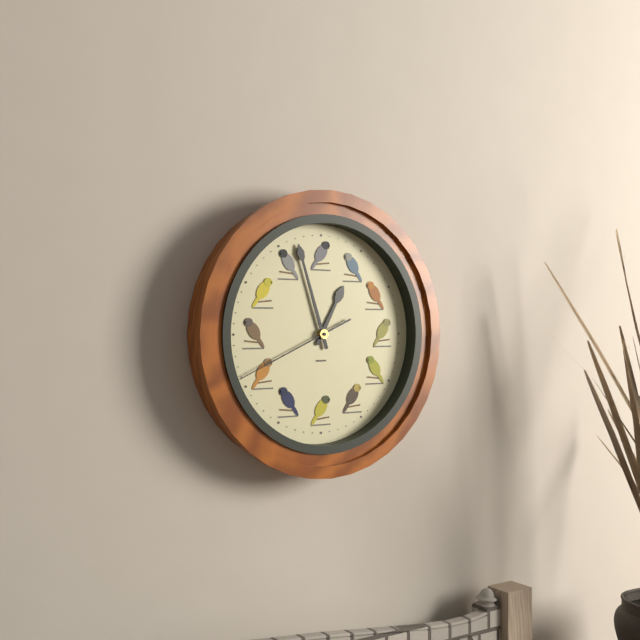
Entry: 12.57.41
